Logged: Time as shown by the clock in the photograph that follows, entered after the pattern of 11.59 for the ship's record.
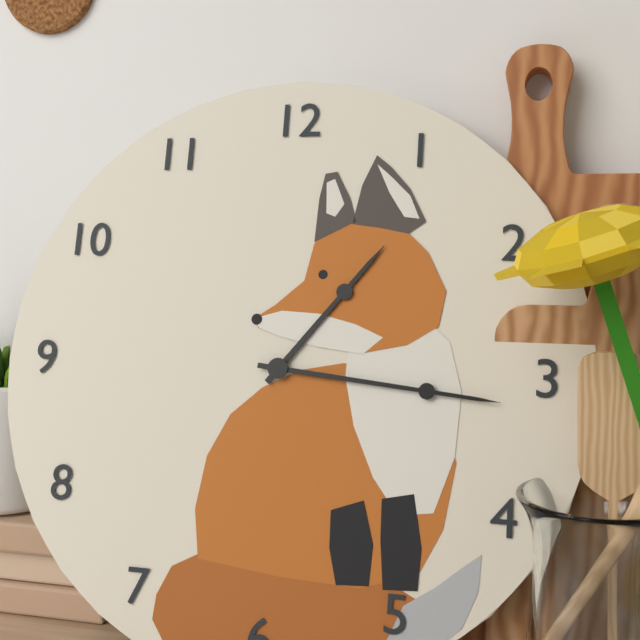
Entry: 1.16
